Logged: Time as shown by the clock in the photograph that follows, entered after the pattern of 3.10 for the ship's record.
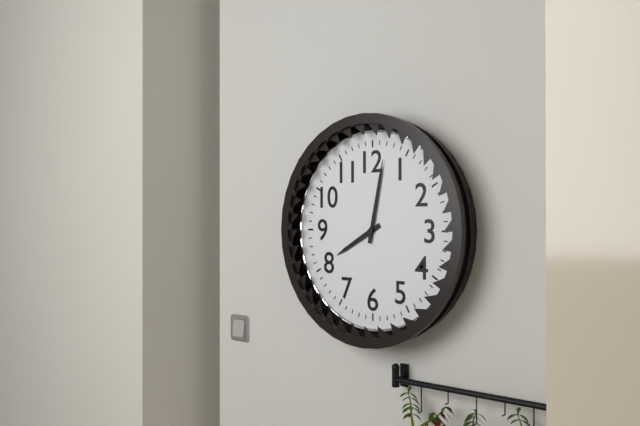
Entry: 8.02
